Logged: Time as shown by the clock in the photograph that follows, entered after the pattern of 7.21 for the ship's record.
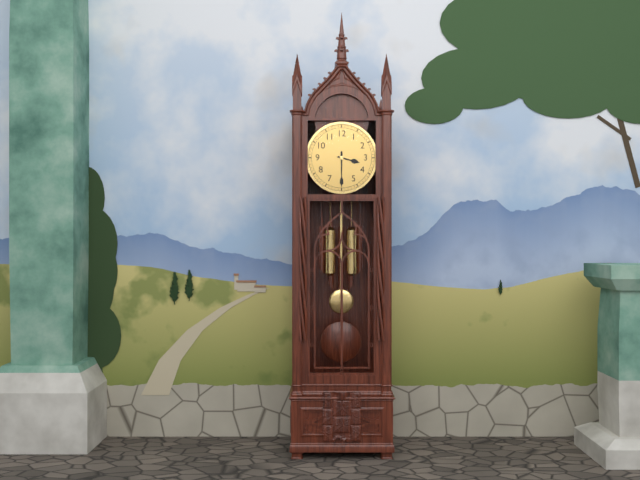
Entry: 3.30
